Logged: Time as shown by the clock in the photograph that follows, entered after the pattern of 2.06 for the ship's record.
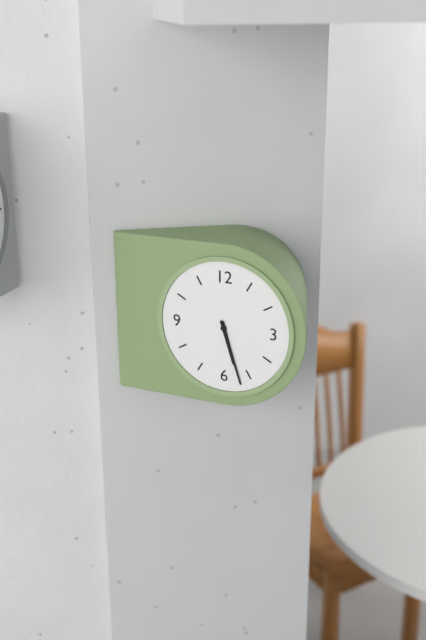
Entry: 5.27
